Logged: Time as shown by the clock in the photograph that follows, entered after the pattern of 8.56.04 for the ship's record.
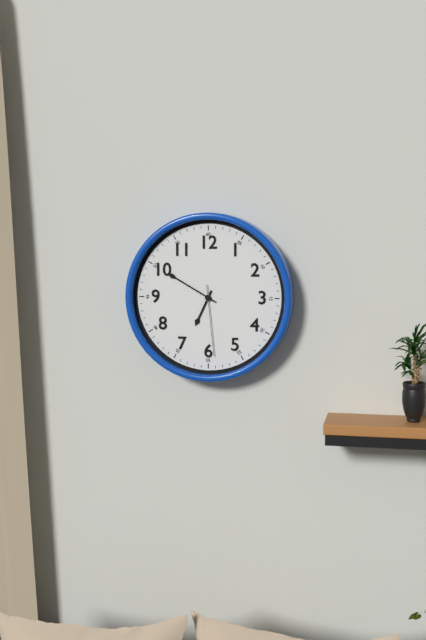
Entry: 6.50.29
